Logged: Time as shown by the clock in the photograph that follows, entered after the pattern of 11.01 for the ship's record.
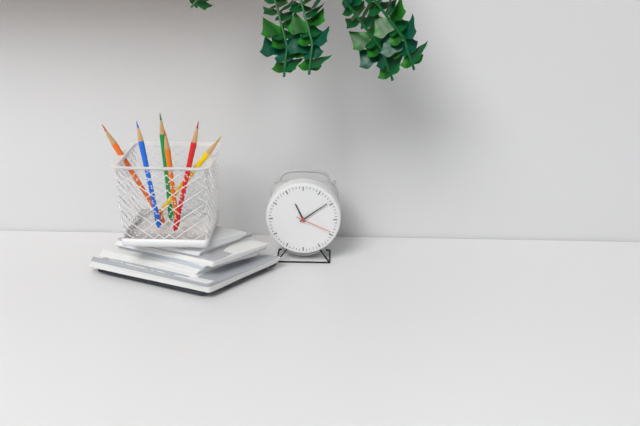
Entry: 11.09
